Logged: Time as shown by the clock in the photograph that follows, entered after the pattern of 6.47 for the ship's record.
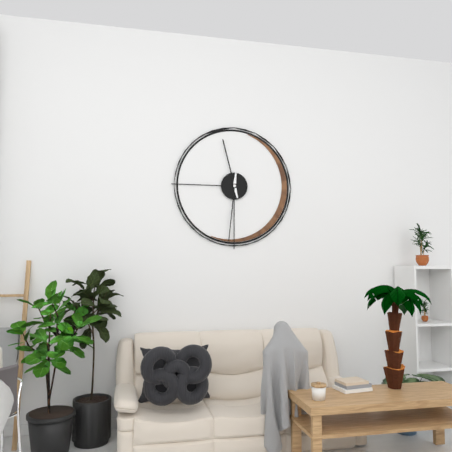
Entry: 11.31
